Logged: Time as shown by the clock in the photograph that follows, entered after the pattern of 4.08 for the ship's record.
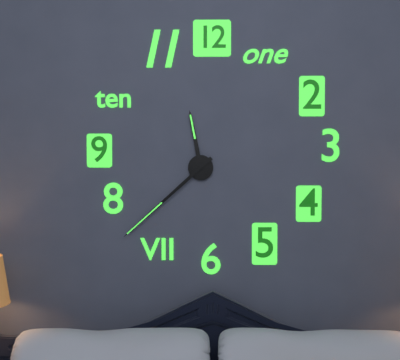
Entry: 11.38
